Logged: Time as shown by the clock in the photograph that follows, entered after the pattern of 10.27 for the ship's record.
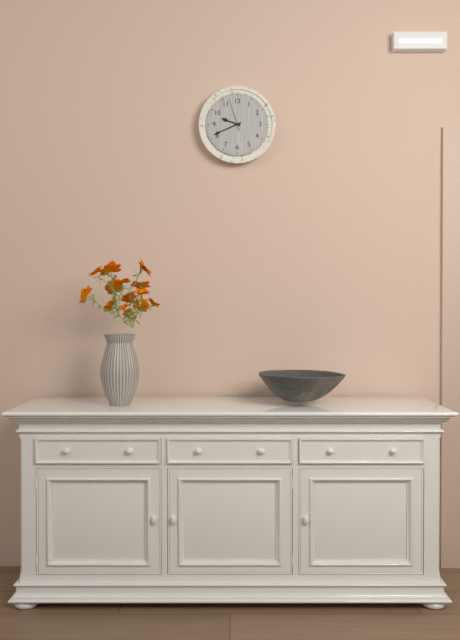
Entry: 9.41
